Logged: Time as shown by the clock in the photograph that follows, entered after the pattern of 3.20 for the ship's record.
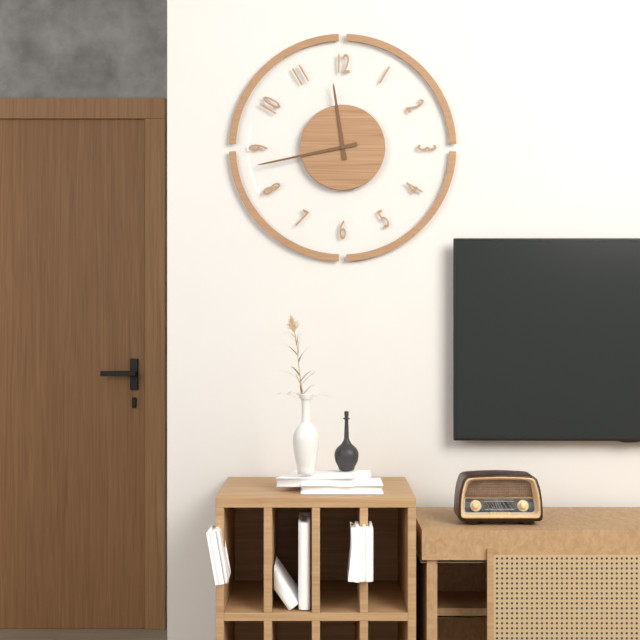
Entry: 11.43
